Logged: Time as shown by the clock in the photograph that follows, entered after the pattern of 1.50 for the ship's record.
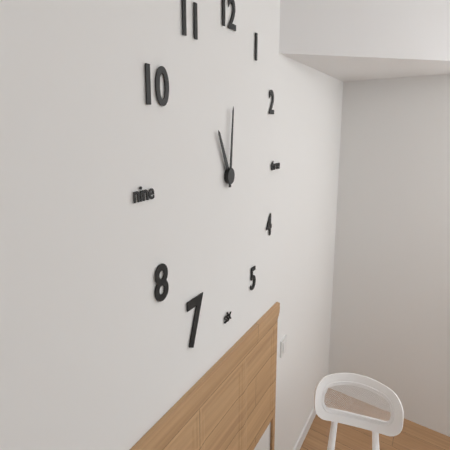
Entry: 11.01
